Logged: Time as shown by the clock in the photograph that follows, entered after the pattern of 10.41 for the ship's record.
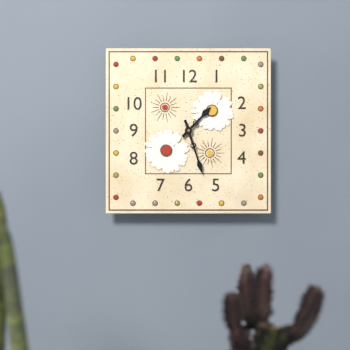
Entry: 1.27
